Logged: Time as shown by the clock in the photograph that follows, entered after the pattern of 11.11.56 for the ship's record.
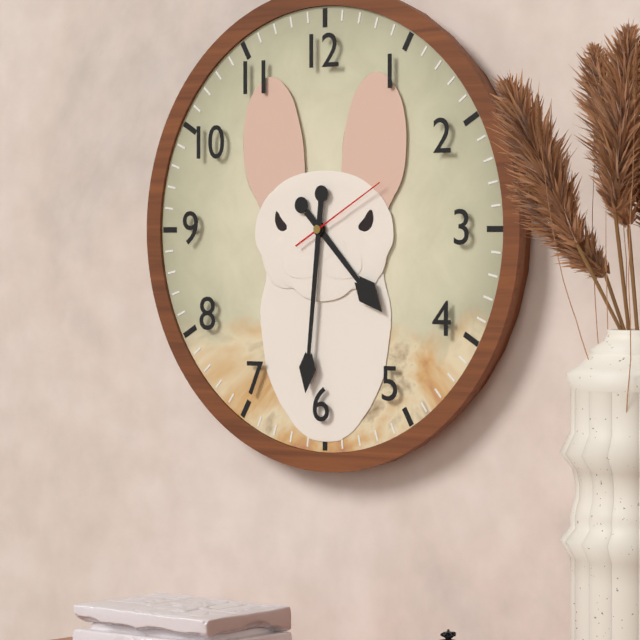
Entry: 4.31.10
